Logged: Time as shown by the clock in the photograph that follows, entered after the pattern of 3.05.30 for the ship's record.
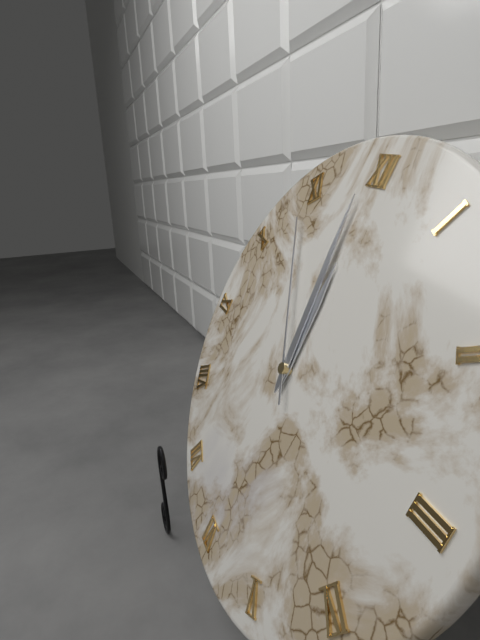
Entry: 11.59.54
